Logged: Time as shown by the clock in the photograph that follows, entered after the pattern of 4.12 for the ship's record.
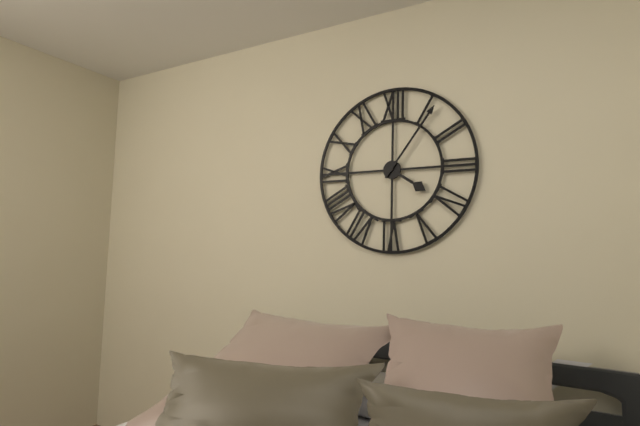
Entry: 4.06
